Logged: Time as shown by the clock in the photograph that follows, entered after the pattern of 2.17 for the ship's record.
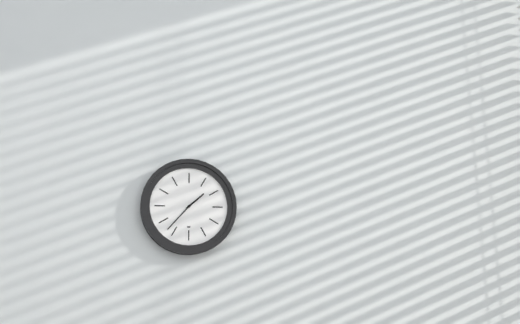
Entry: 1.37
